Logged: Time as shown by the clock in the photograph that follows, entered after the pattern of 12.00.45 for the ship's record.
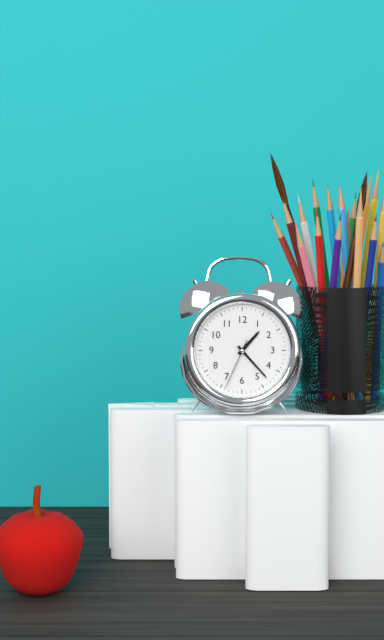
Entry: 1.23.34
